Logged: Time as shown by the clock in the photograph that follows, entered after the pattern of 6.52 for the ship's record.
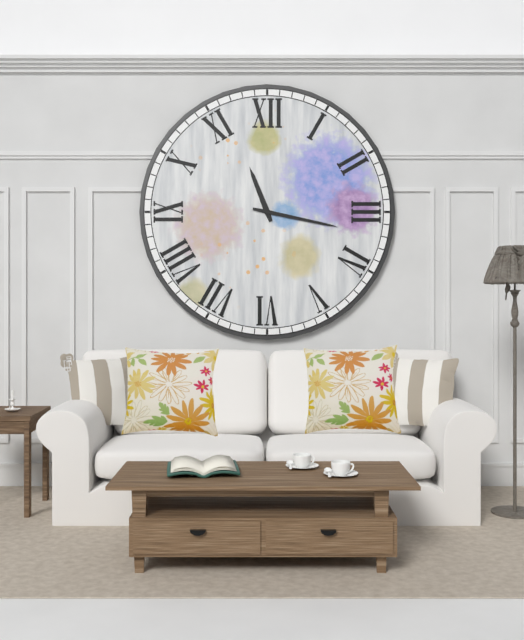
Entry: 11.17
